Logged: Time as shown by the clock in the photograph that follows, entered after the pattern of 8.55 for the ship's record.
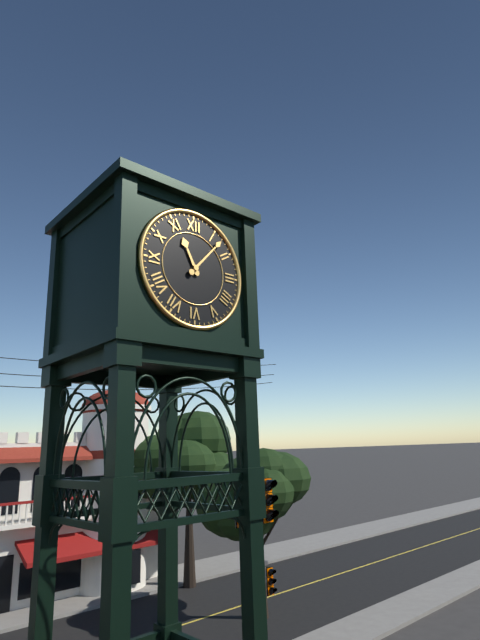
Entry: 11.07
